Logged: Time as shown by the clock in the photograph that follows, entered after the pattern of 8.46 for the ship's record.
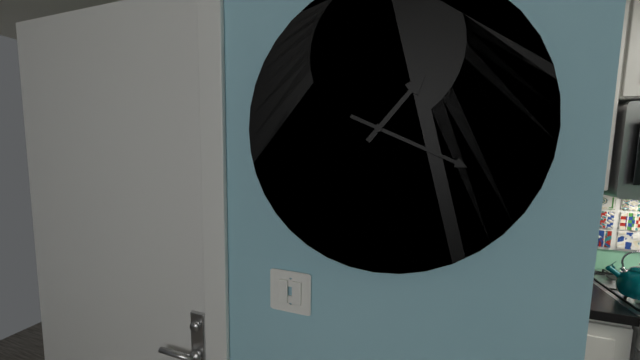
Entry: 1.19
